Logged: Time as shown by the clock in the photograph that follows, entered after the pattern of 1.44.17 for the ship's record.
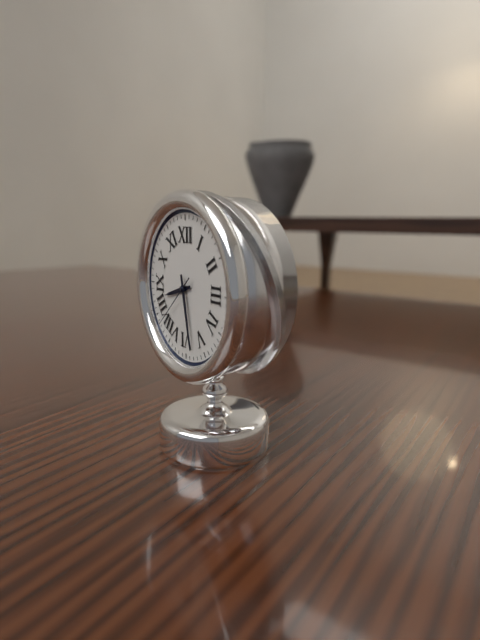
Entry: 8.28.38
